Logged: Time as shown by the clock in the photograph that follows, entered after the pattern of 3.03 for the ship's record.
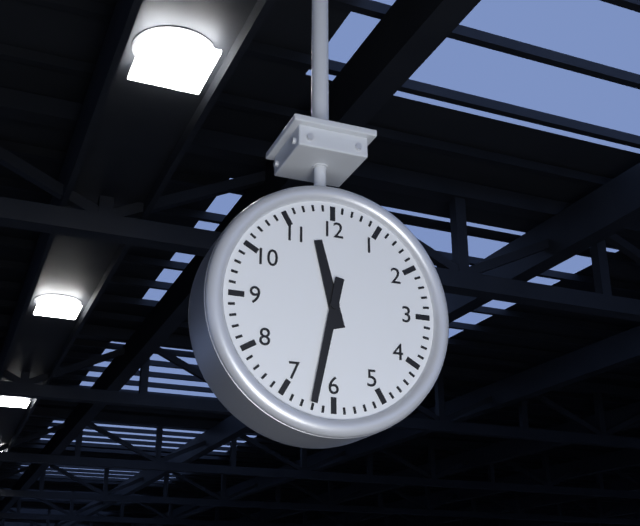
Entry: 11.32
